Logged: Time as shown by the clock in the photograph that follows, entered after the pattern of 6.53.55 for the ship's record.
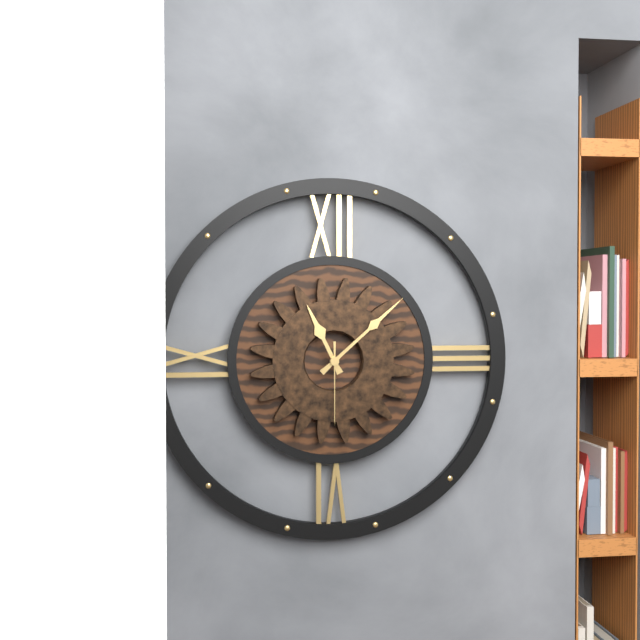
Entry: 11.08.30
